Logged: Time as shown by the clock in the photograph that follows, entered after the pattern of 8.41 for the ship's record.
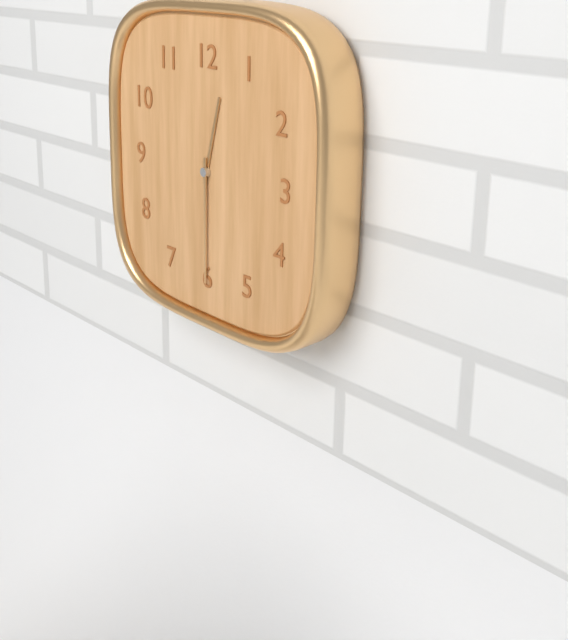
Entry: 12.30
